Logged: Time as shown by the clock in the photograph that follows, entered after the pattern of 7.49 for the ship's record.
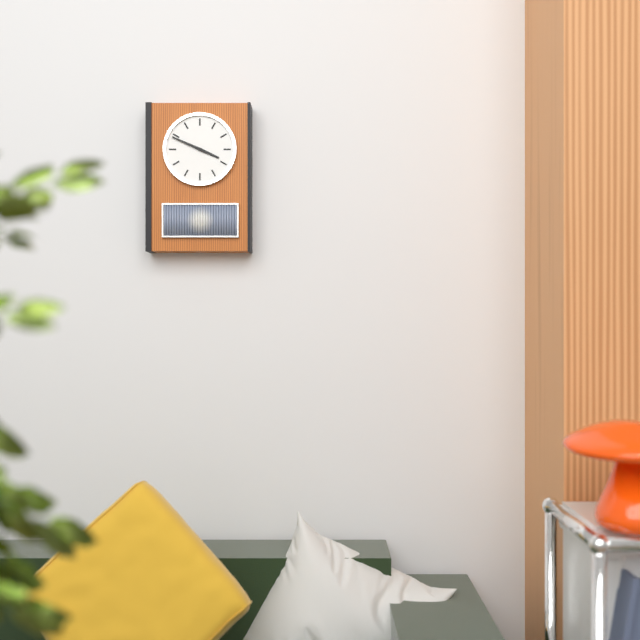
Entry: 3.49
